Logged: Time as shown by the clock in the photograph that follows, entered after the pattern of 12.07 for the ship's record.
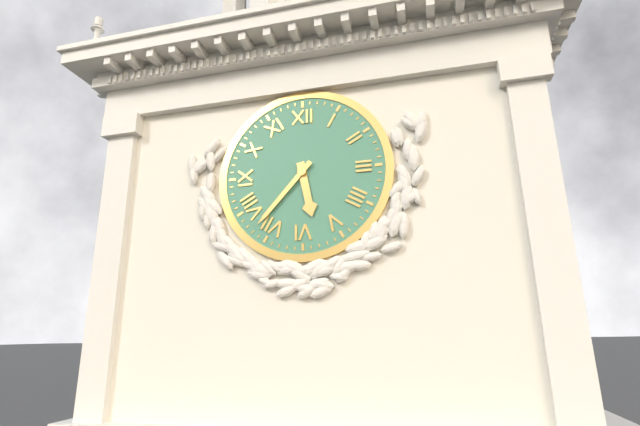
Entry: 5.37
